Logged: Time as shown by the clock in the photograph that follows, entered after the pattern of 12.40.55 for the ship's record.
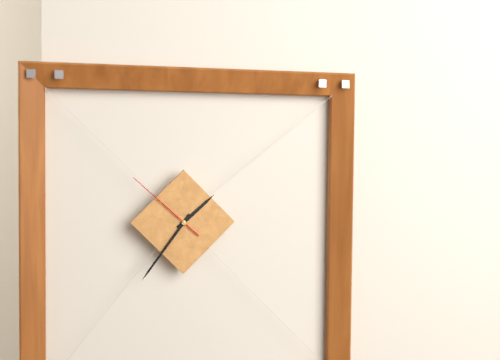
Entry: 1.36.52
